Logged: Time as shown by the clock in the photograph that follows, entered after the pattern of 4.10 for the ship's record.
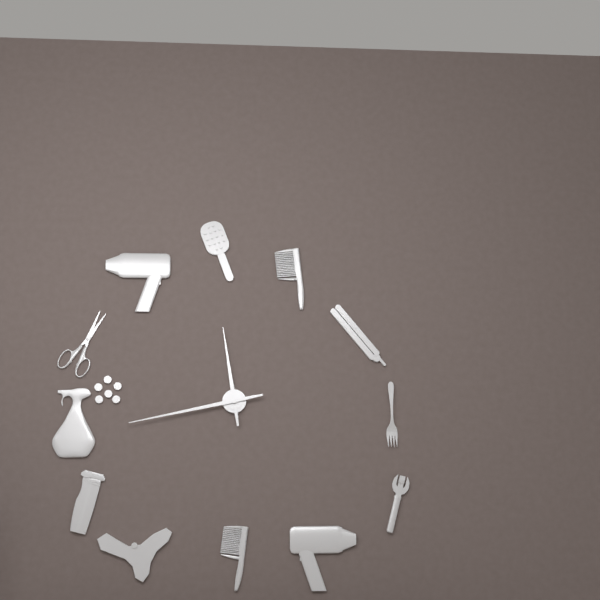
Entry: 11.43
